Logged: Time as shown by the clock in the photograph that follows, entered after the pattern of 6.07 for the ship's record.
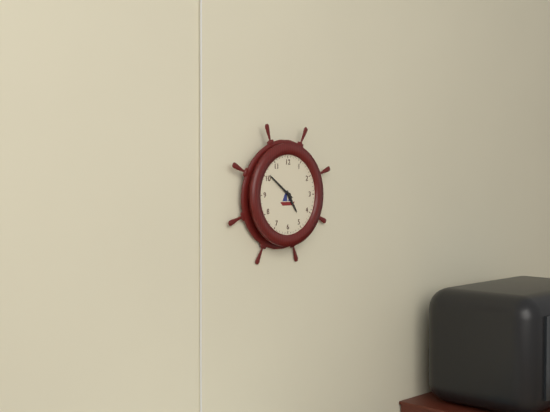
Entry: 4.51
